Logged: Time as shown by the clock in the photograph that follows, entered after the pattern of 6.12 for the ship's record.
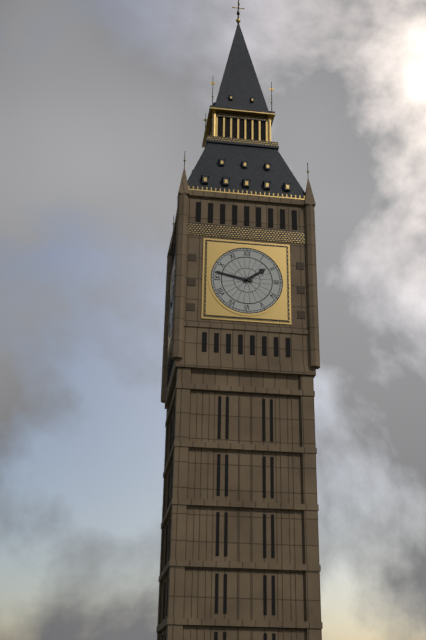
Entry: 1.47
